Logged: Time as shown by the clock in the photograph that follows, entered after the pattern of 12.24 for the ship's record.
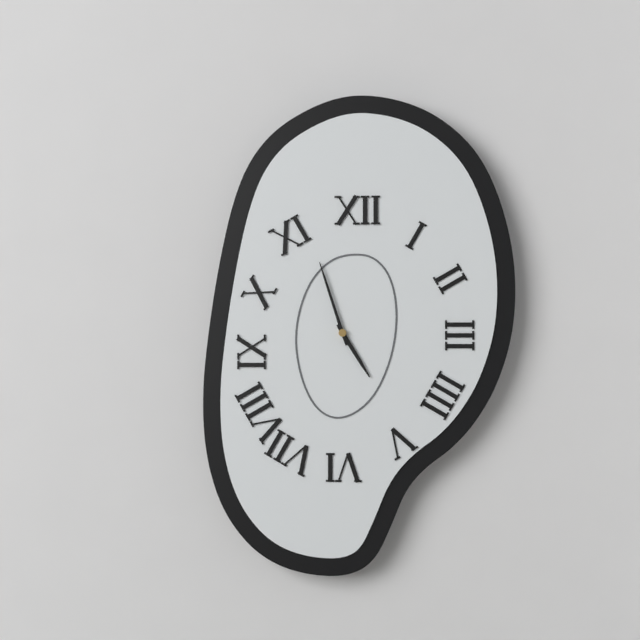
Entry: 4.57
